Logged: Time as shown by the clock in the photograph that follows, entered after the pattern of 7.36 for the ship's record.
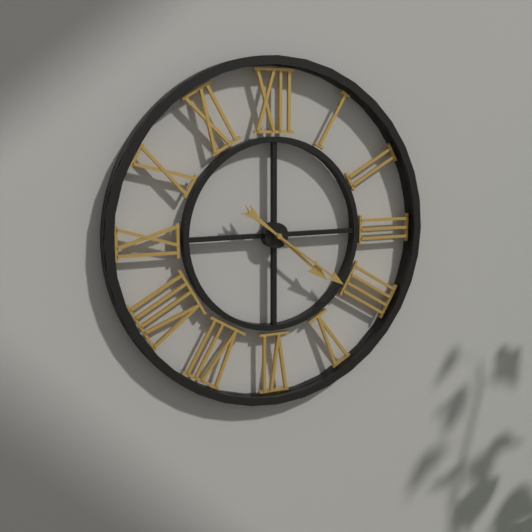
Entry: 4.21
